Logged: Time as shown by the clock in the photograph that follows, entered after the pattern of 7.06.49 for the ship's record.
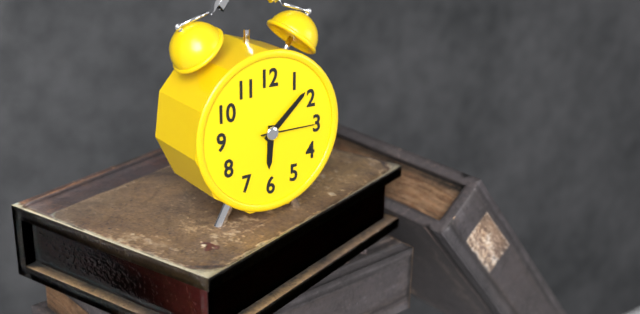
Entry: 6.08.15
